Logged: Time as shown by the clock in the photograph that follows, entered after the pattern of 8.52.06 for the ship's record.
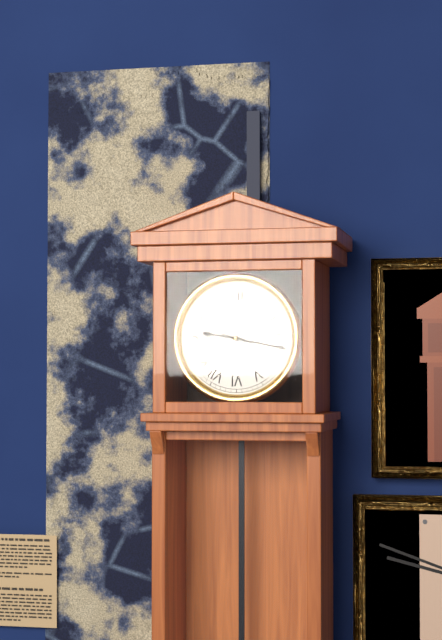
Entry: 9.17.18
